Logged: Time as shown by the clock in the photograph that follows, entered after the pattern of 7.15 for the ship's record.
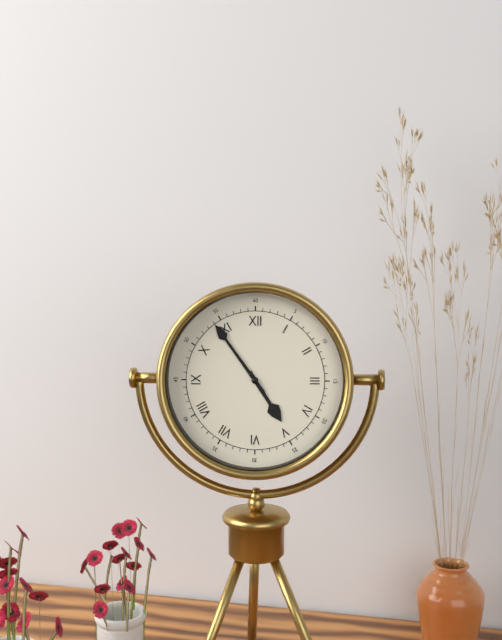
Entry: 4.54
